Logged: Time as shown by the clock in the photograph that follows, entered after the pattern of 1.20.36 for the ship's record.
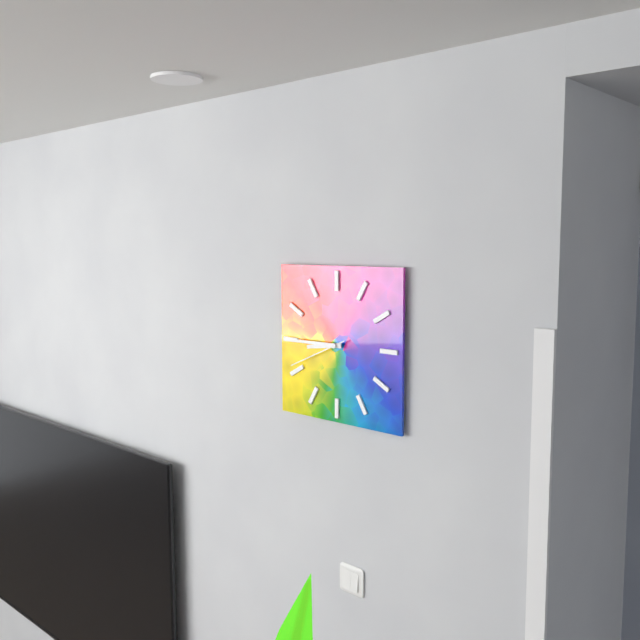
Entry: 8.45.41
